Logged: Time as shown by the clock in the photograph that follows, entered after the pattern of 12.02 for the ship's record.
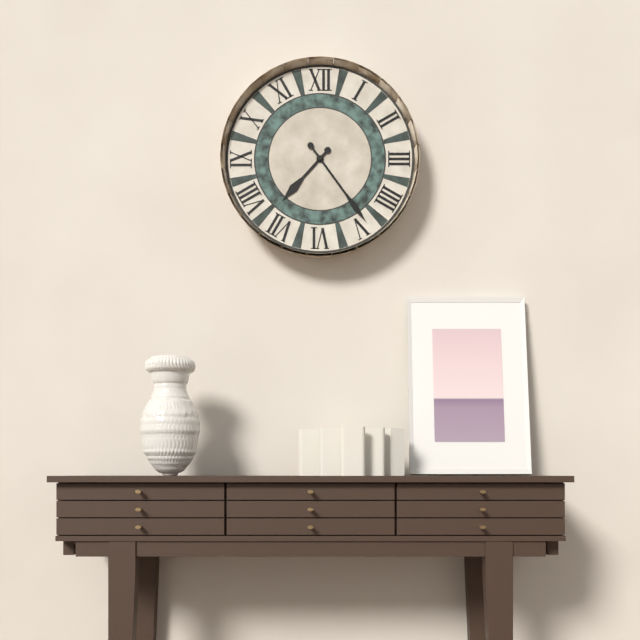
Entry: 7.24
